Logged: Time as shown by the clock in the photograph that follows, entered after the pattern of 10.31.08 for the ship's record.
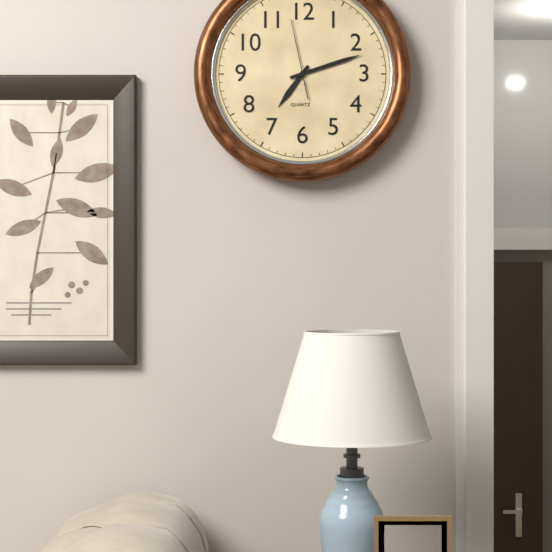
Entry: 7.12.58
